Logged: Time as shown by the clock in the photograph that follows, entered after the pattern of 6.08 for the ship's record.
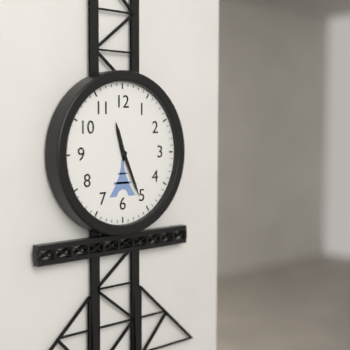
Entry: 11.26
